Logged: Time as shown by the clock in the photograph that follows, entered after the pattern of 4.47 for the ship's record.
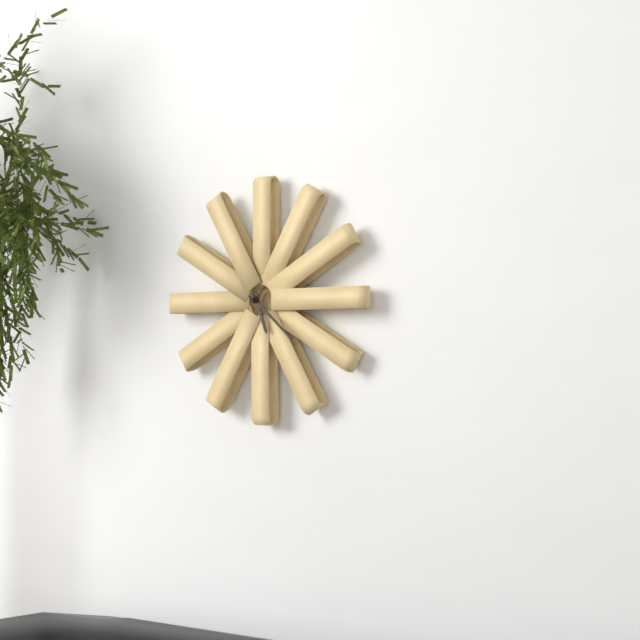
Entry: 5.22
